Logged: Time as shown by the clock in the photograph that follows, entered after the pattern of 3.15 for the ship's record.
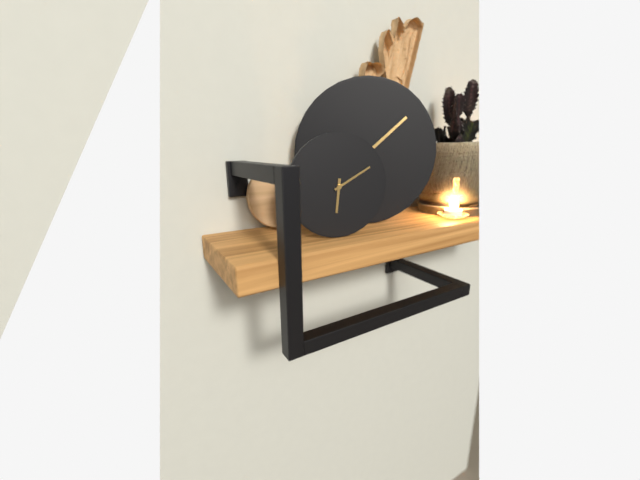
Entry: 6.10
